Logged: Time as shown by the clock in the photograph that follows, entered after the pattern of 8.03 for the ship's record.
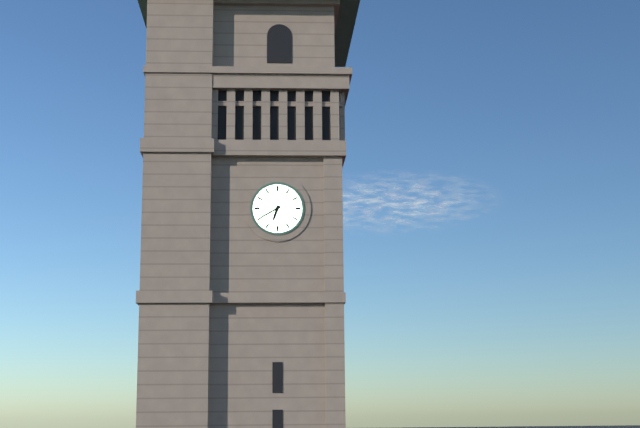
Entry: 6.40
